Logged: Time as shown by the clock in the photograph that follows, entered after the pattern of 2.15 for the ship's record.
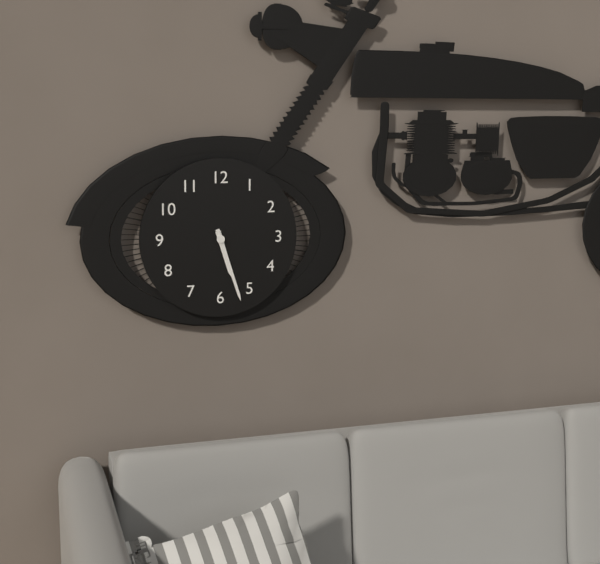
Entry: 5.27
